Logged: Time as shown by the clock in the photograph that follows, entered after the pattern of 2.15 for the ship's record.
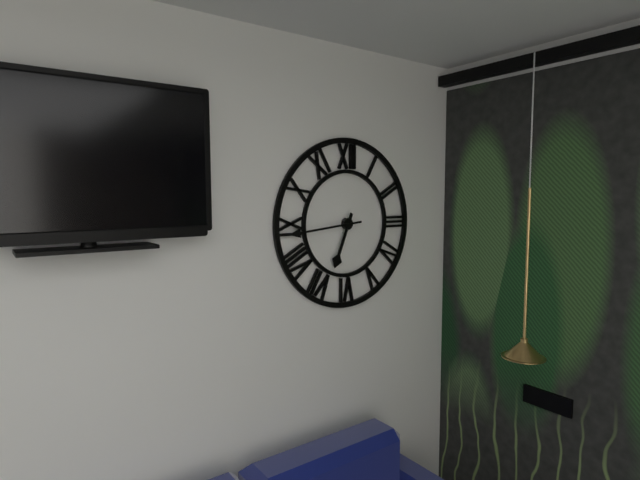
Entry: 6.44
